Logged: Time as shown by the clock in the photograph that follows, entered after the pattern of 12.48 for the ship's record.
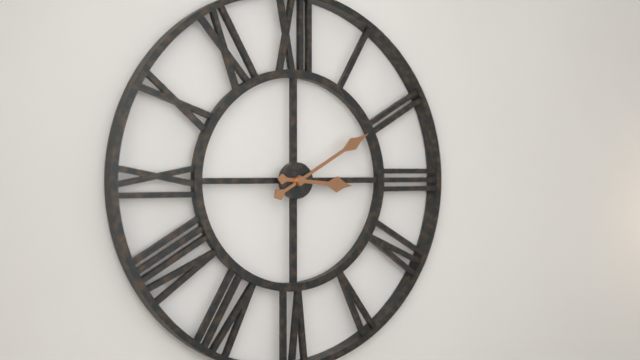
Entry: 3.10
